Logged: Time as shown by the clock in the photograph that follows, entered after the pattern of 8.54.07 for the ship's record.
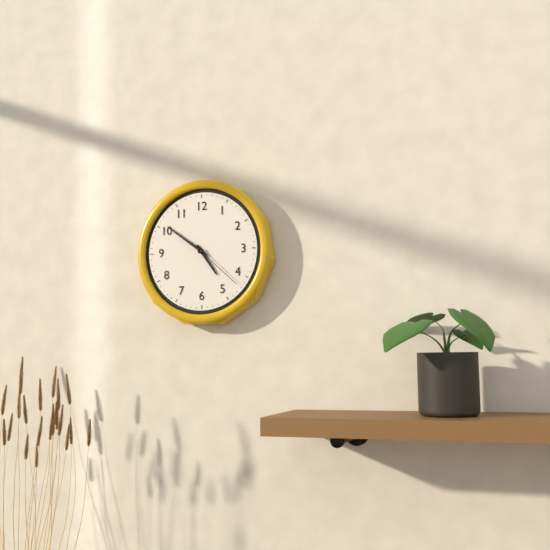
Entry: 4.51.22
